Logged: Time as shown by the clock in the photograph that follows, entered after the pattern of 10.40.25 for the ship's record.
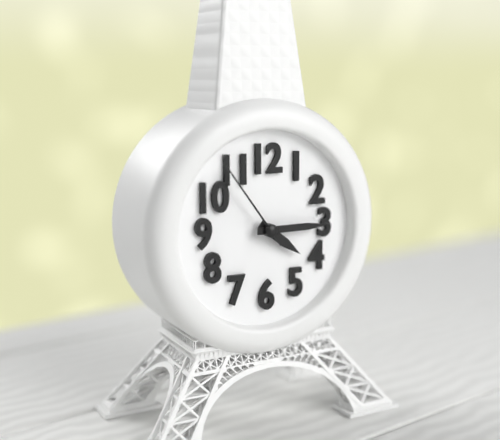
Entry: 4.15.54
